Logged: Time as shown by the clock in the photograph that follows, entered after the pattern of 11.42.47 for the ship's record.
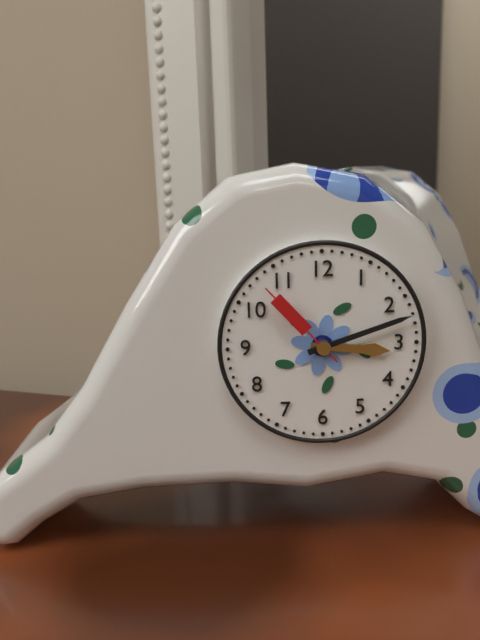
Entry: 3.12.53
